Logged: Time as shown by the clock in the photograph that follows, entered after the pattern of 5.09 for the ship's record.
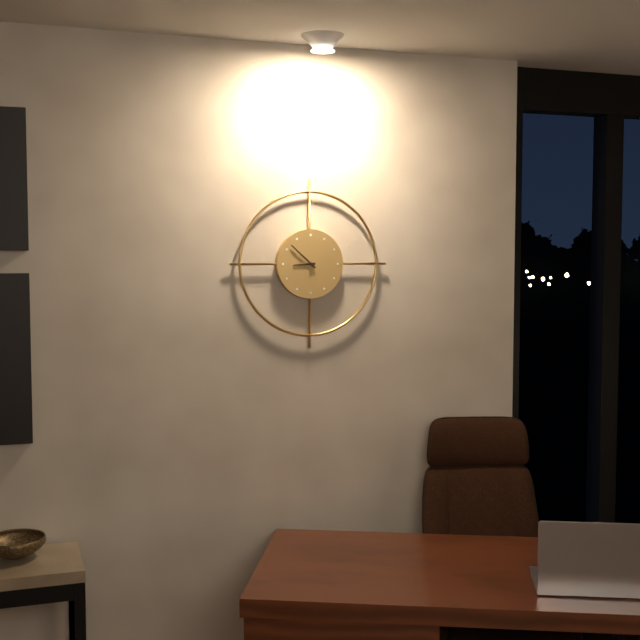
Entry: 8.52
